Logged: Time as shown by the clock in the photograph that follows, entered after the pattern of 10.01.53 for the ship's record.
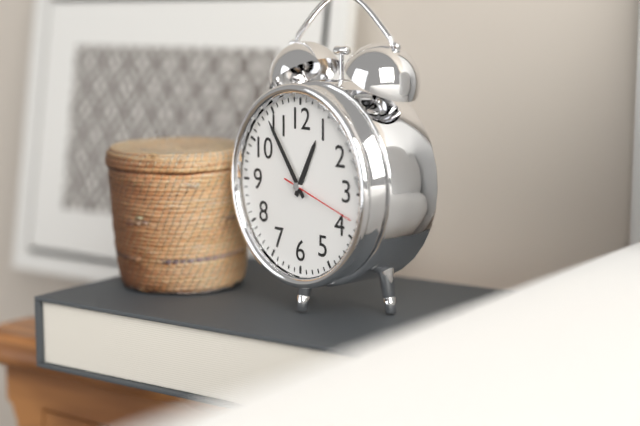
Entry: 12.54.18
